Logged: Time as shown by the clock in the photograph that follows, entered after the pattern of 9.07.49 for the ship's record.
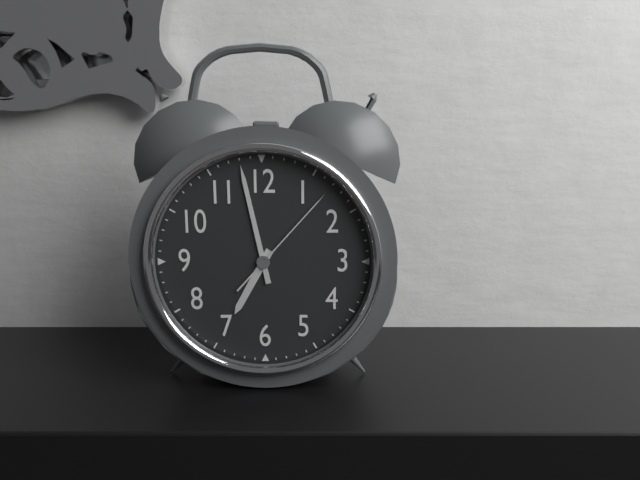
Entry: 6.58.07
